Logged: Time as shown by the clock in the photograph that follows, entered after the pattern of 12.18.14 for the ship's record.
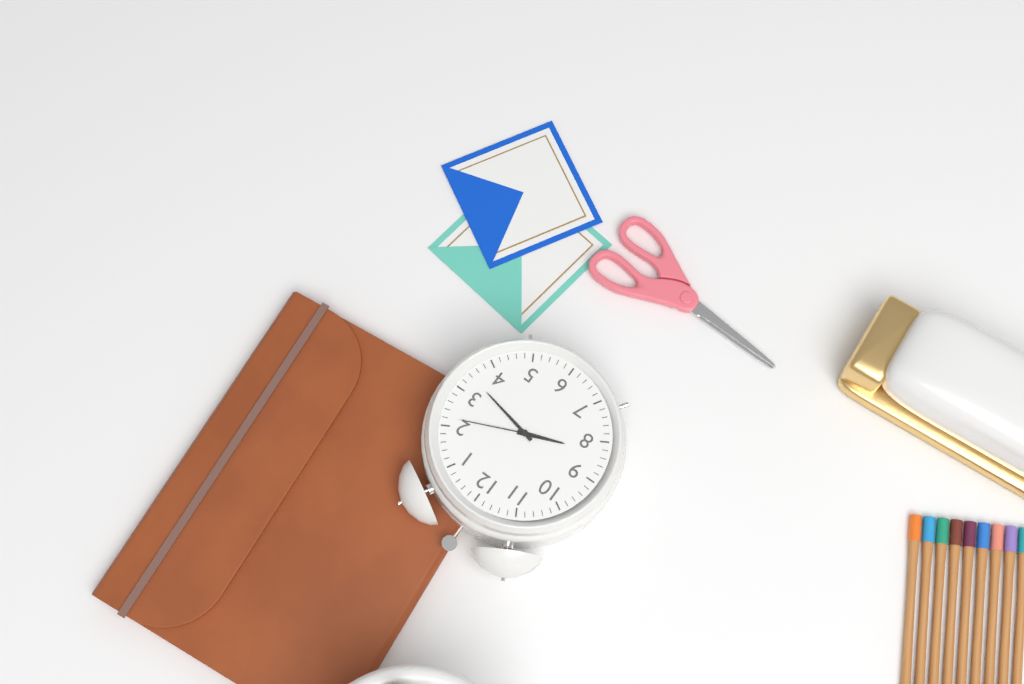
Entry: 8.17.11
